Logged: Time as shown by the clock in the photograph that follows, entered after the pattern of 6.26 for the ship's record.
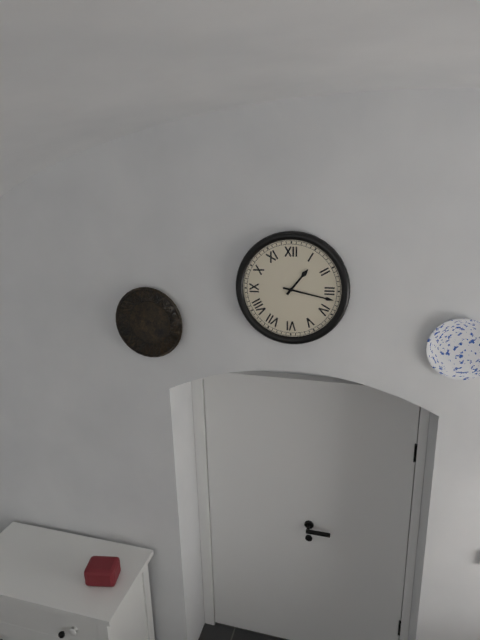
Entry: 1.17
